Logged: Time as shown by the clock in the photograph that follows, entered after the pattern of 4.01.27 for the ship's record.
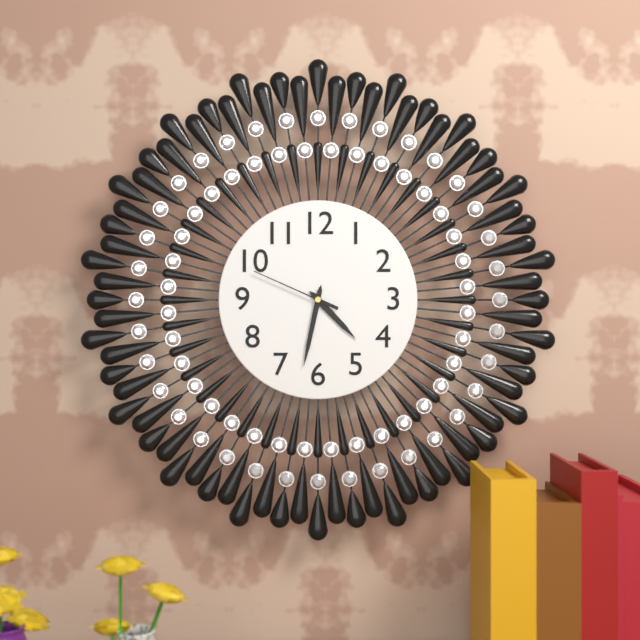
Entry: 4.32.49
